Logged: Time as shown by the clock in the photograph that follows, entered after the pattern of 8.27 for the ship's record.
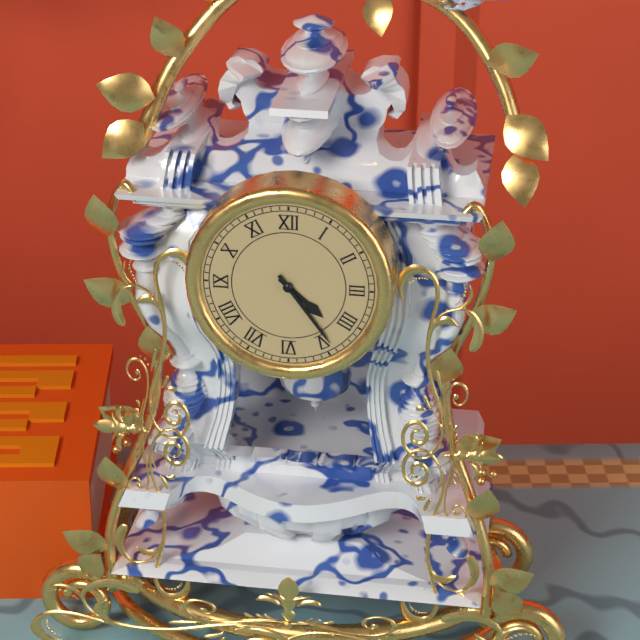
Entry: 4.24
